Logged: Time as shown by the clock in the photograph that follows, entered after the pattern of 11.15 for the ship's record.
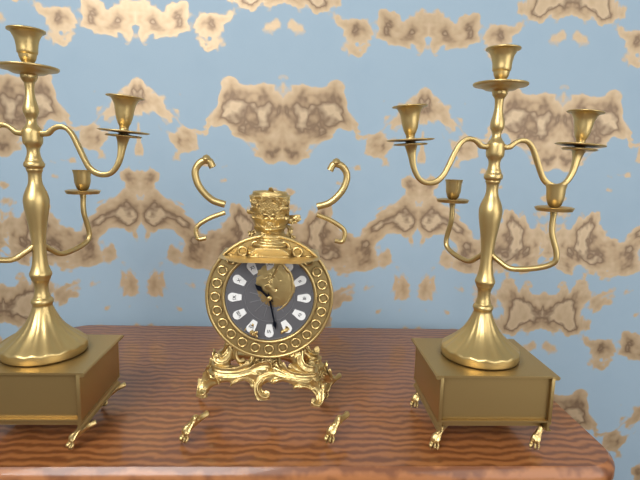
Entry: 10.28
